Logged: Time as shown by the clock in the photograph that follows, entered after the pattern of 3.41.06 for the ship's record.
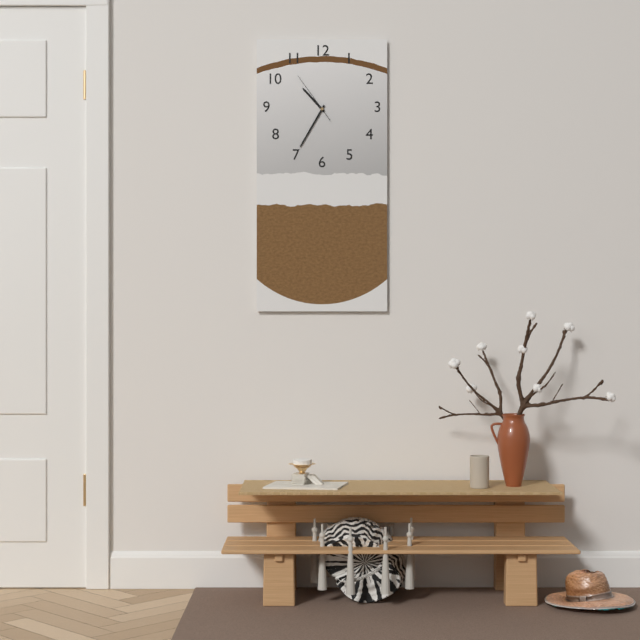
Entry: 10.35.54
